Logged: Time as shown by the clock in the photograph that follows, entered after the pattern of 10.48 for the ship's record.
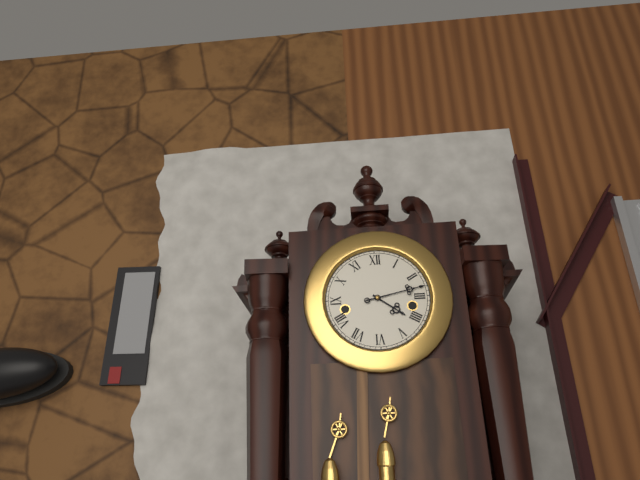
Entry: 4.13
